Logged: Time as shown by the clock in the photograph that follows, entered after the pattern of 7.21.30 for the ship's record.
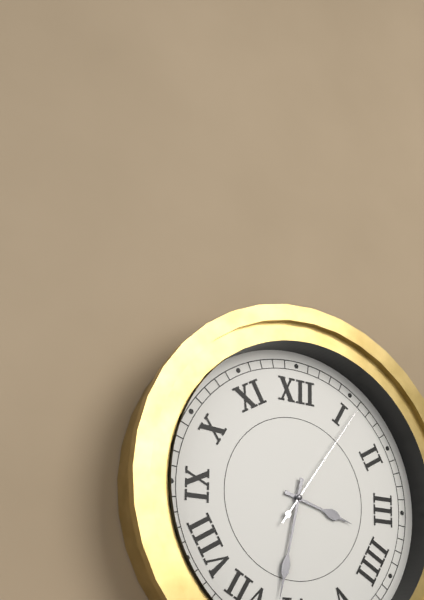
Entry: 3.32.06
